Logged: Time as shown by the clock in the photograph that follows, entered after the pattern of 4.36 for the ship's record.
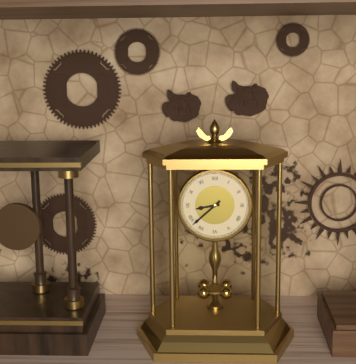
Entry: 8.38
